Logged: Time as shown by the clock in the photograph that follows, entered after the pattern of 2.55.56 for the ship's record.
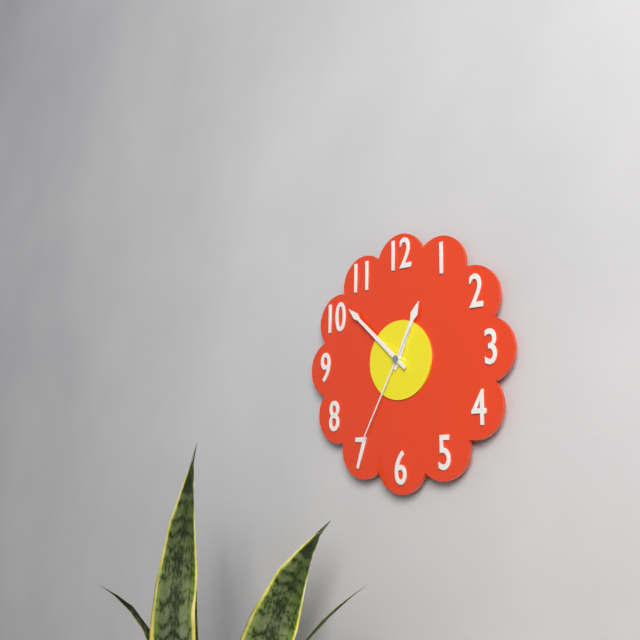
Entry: 12.52.35
